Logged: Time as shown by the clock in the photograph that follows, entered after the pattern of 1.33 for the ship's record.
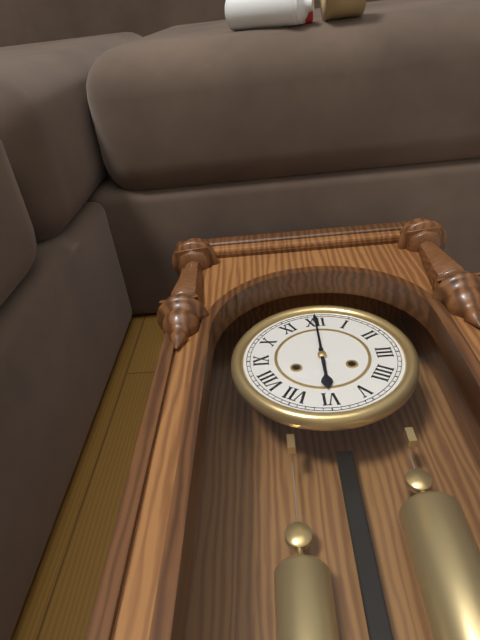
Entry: 6.00
